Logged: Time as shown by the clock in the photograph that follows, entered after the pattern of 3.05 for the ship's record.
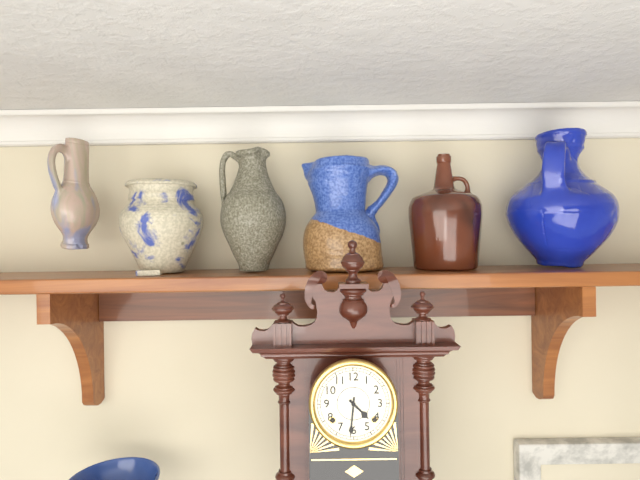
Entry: 4.31
